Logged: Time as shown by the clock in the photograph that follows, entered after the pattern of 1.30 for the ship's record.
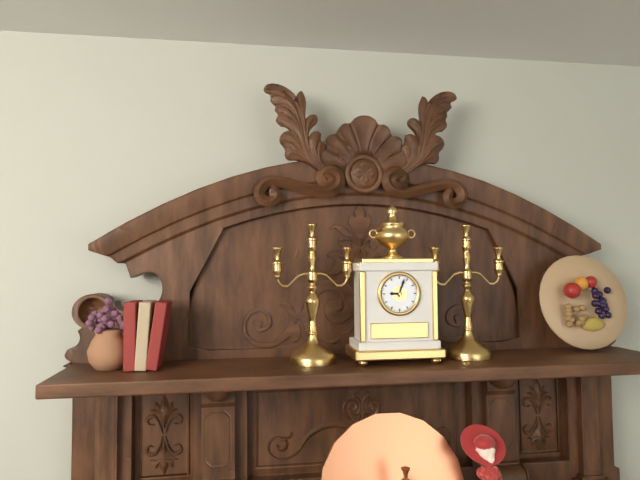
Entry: 9.03
